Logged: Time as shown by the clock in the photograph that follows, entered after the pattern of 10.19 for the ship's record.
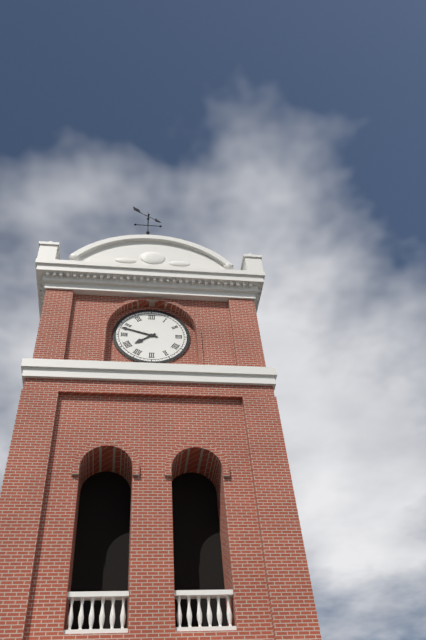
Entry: 7.48
